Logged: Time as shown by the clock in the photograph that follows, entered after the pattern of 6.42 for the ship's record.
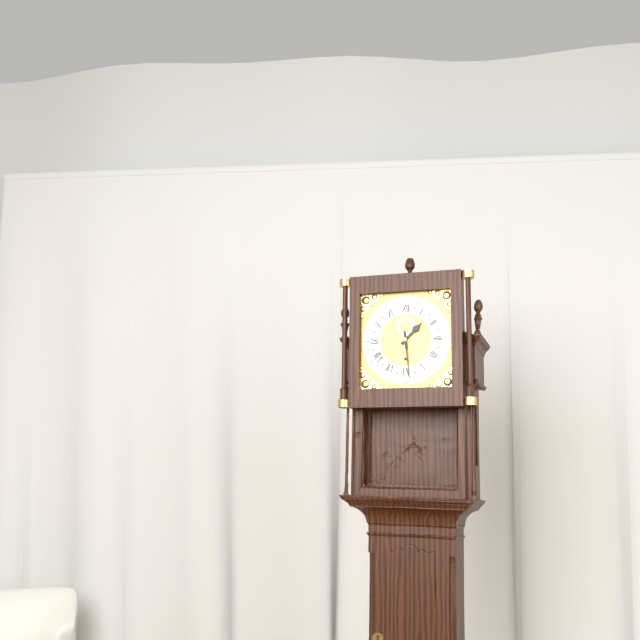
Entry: 1.29
